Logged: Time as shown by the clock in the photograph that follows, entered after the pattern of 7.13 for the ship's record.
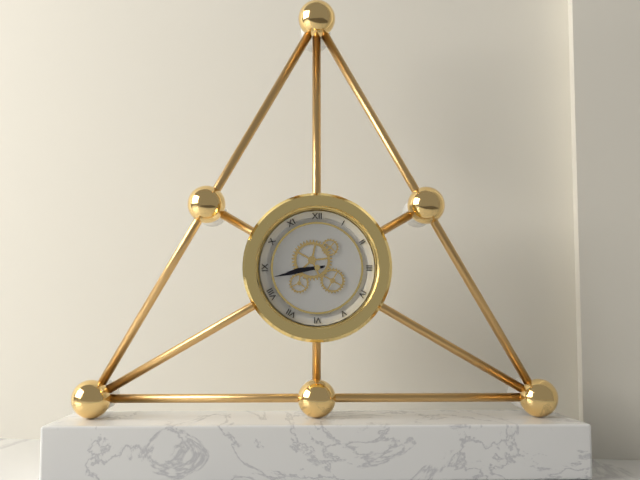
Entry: 8.43
